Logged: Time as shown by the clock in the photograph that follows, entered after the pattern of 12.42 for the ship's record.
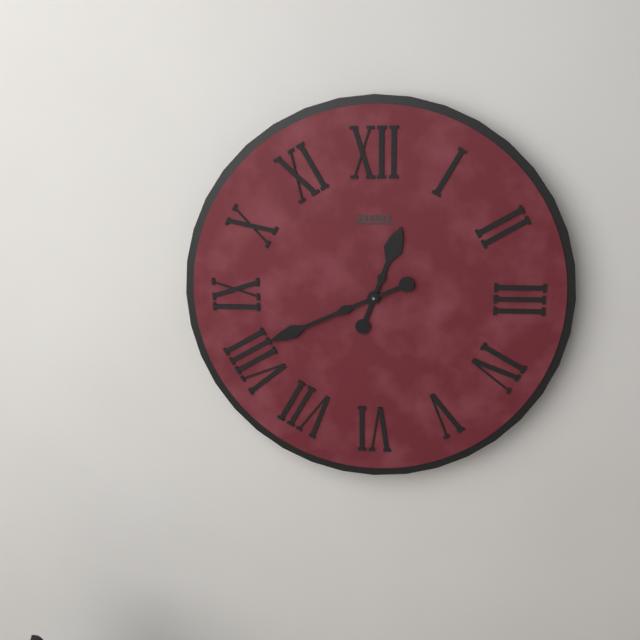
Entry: 12.41
